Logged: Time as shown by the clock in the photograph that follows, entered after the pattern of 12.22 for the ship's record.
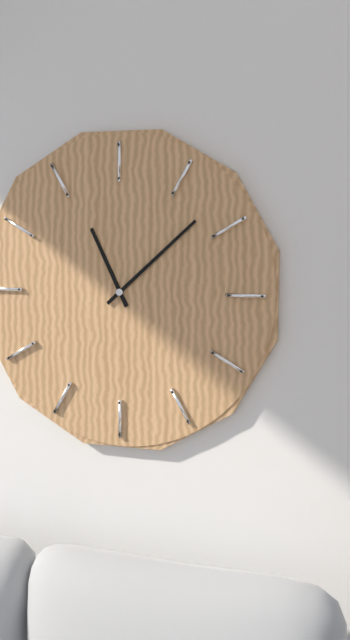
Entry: 11.08
